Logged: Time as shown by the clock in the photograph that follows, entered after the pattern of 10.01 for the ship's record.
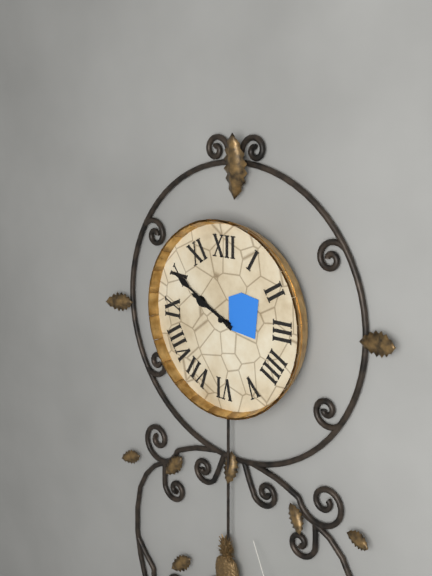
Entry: 9.50
